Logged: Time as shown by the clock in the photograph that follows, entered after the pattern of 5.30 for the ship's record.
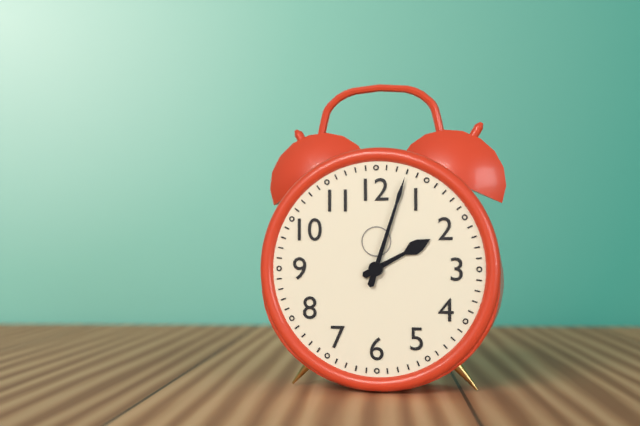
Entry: 2.03
